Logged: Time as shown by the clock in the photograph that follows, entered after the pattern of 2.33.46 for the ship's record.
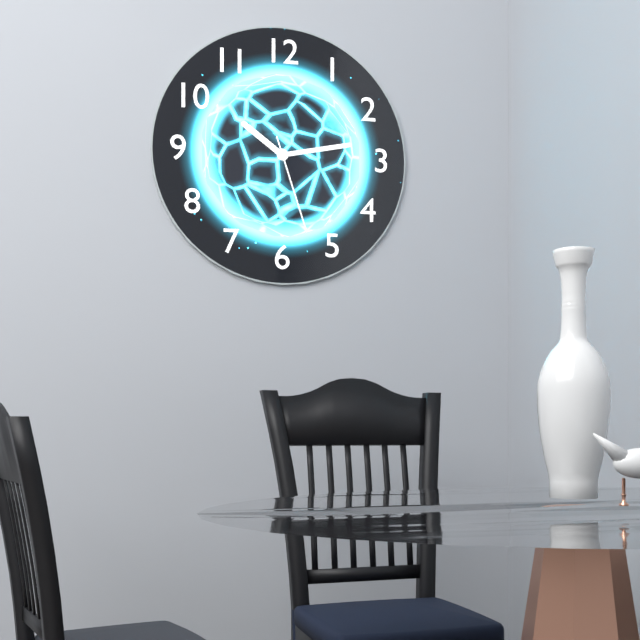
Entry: 10.13.27
